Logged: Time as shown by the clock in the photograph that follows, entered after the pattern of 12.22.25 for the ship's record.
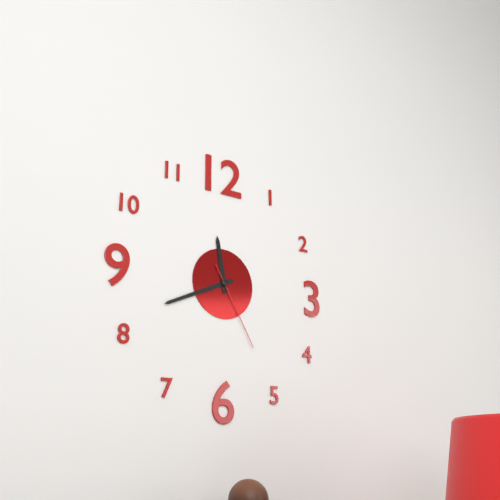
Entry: 11.41.25
